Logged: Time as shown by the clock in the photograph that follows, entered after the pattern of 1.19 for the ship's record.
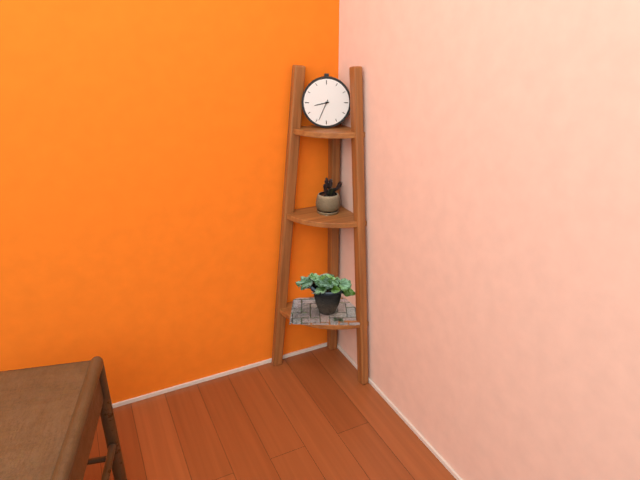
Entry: 8.34
